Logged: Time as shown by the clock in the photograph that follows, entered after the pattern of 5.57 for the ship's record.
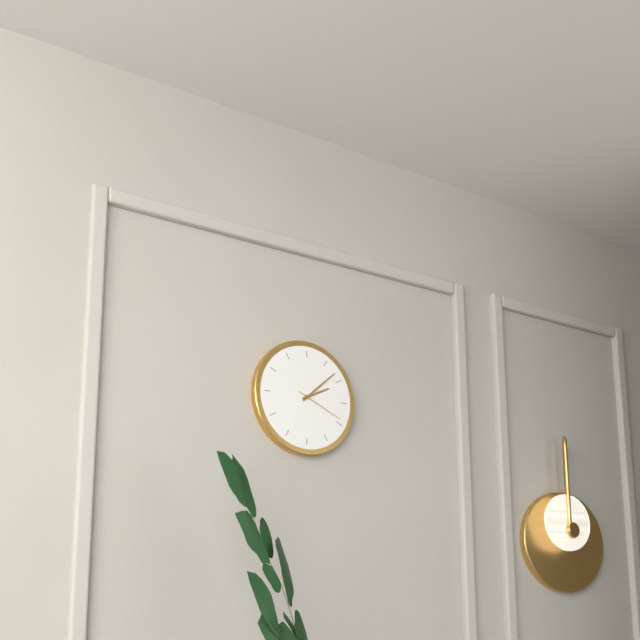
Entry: 2.08
